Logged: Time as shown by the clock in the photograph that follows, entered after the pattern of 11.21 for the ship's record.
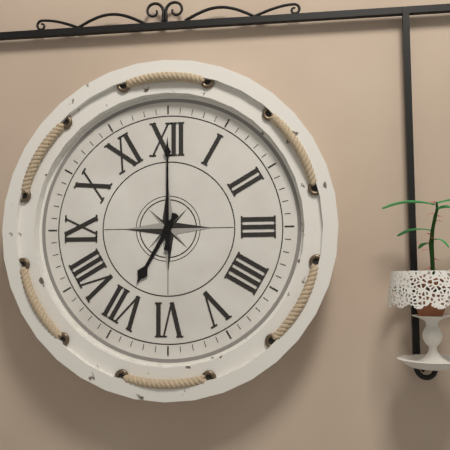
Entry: 7.00
